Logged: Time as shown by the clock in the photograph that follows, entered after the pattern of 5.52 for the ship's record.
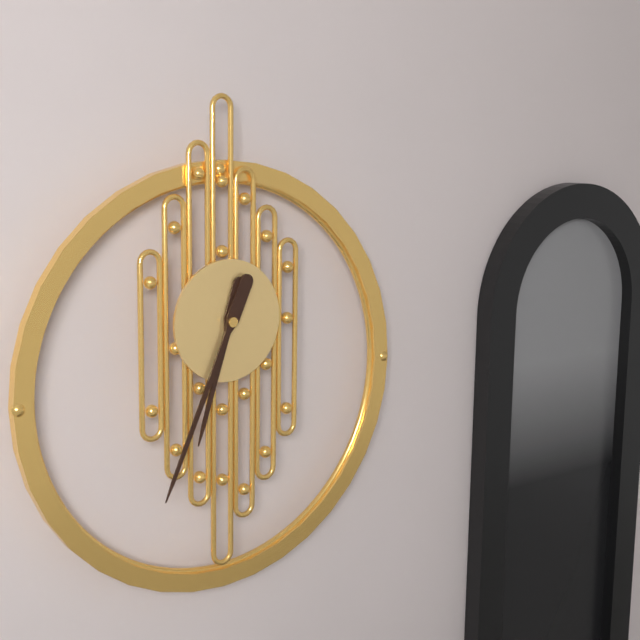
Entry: 6.34
